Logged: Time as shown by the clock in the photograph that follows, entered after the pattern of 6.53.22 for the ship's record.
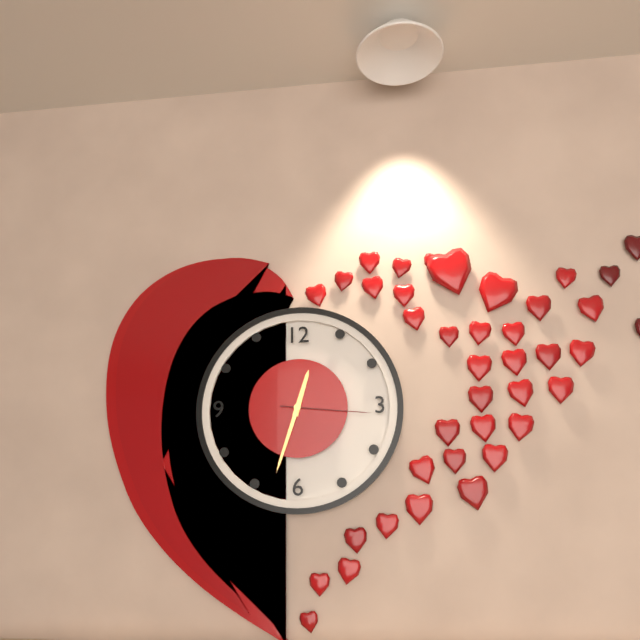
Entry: 12.33.16
